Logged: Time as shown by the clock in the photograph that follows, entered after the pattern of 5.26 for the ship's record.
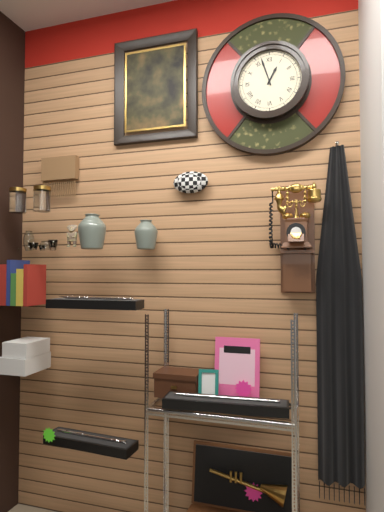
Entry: 12.57
